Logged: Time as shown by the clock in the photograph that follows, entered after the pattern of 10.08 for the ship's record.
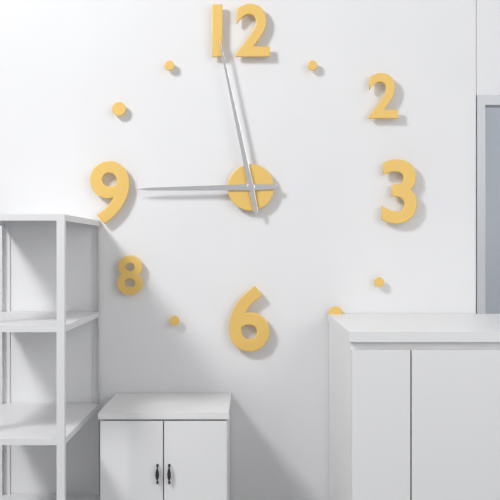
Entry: 8.58
